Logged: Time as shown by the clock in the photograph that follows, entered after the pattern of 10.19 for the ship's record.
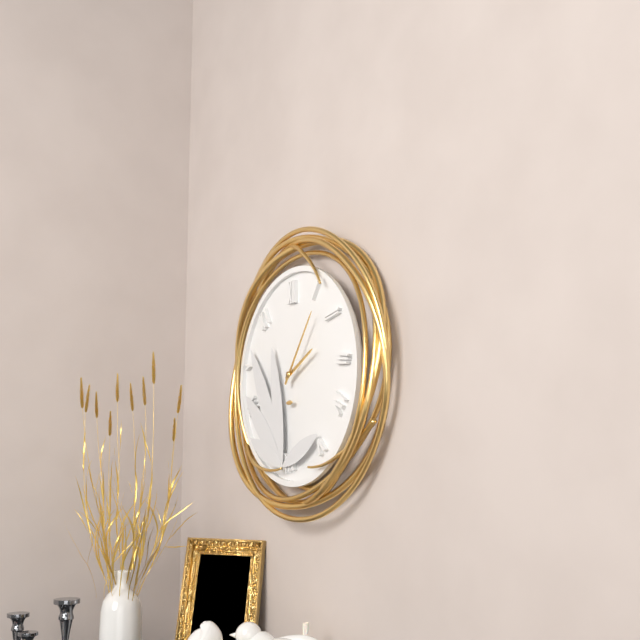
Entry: 2.06
